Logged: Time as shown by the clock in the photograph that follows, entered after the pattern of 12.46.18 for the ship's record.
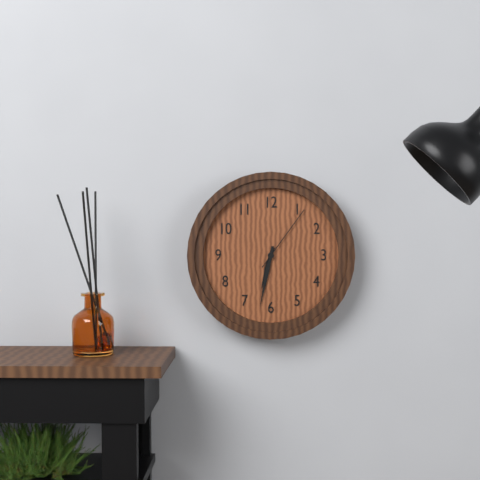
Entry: 6.32.06
